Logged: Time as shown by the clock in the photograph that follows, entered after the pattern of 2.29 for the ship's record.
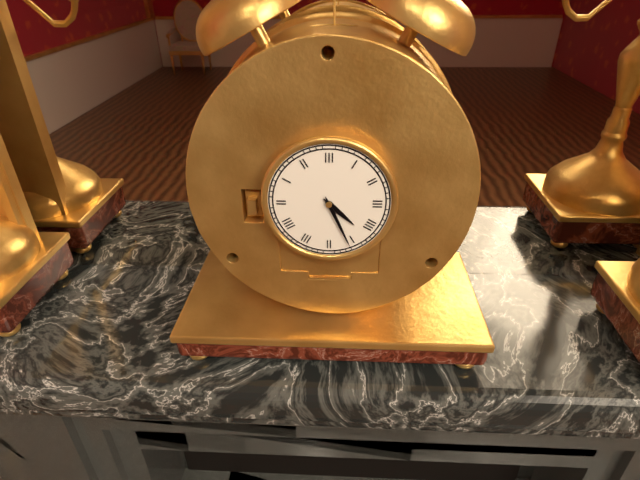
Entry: 4.26
